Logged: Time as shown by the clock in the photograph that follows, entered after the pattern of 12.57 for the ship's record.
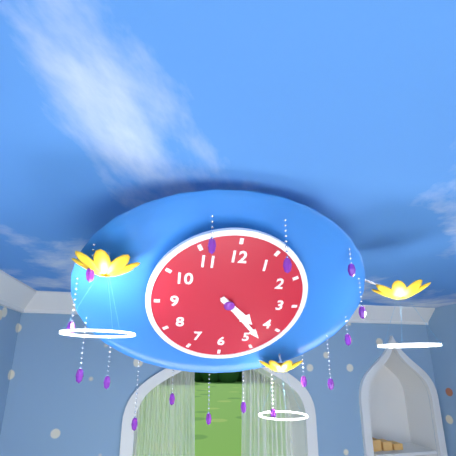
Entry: 4.23
